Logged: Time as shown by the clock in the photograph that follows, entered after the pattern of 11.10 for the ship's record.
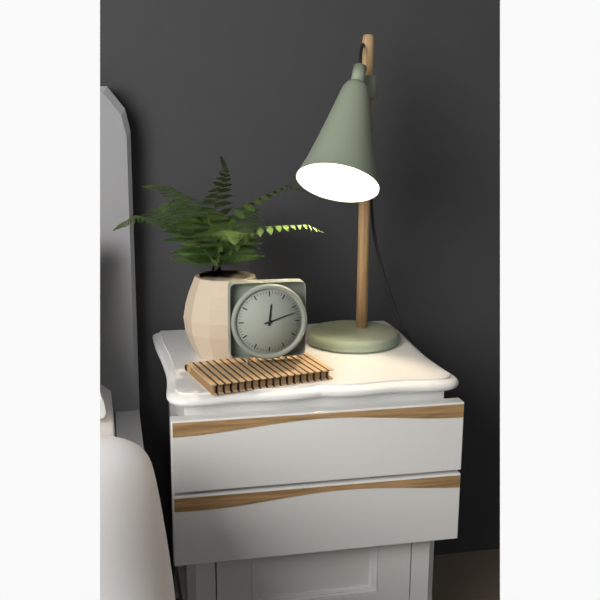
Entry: 12.12
